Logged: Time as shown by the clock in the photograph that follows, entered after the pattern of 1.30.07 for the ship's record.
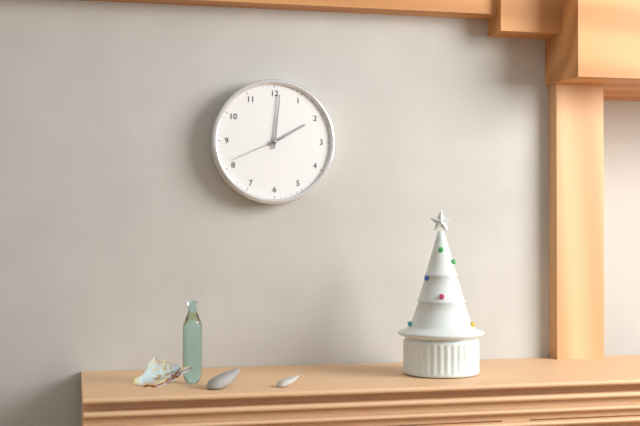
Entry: 2.01.41
